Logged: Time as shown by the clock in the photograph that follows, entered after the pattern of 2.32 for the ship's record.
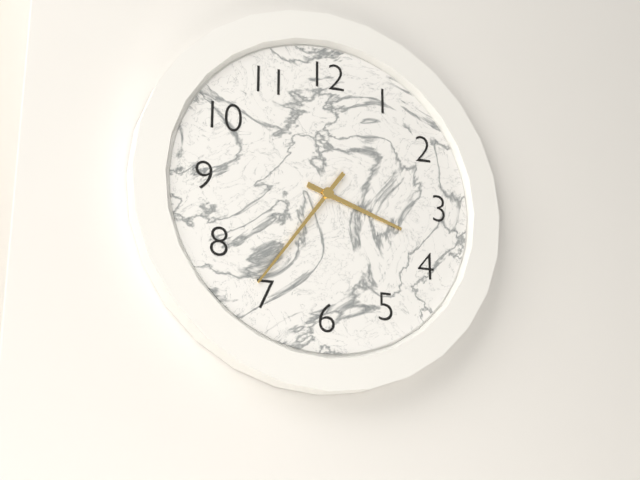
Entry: 3.36
